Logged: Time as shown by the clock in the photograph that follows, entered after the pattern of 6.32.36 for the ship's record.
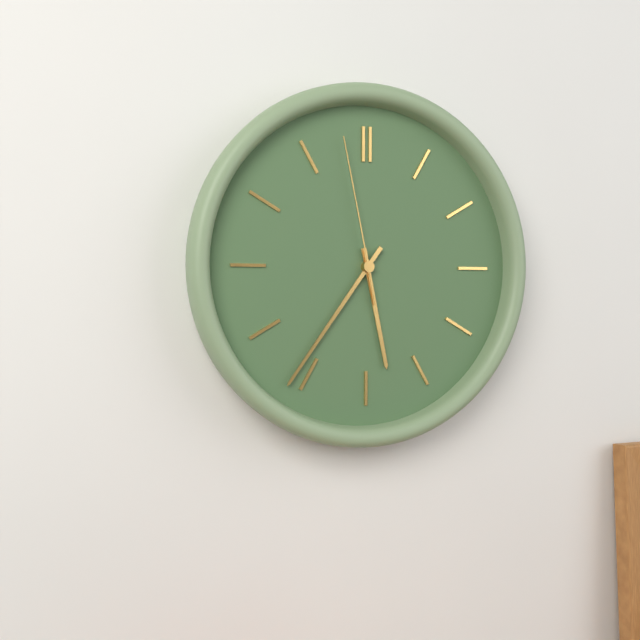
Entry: 5.36.58
